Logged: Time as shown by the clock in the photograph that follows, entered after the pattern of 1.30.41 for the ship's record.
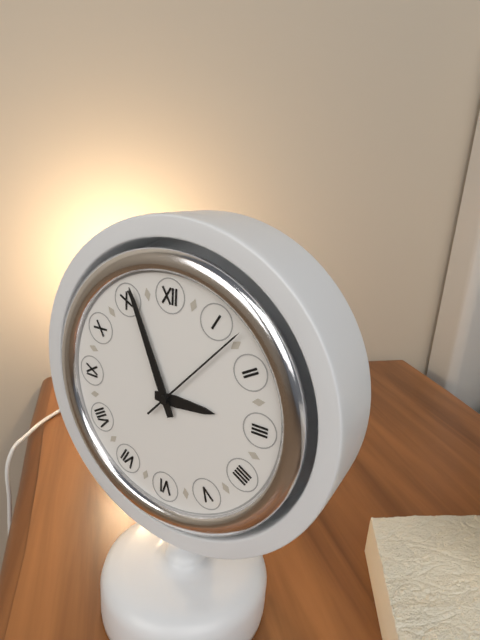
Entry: 2.56.07
